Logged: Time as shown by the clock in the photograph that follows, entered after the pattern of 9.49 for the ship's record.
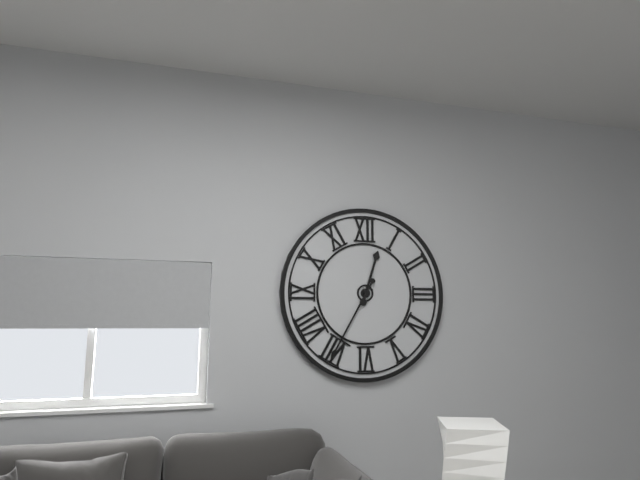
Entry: 12.35
